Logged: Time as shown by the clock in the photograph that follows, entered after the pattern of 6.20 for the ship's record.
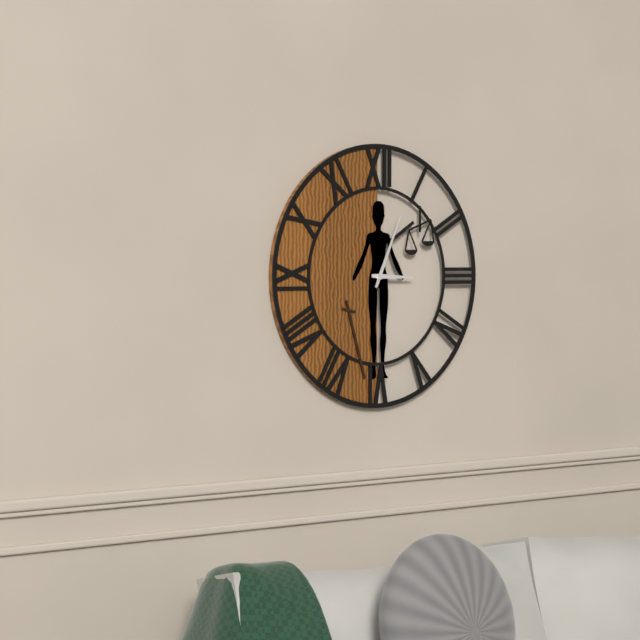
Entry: 3.04
